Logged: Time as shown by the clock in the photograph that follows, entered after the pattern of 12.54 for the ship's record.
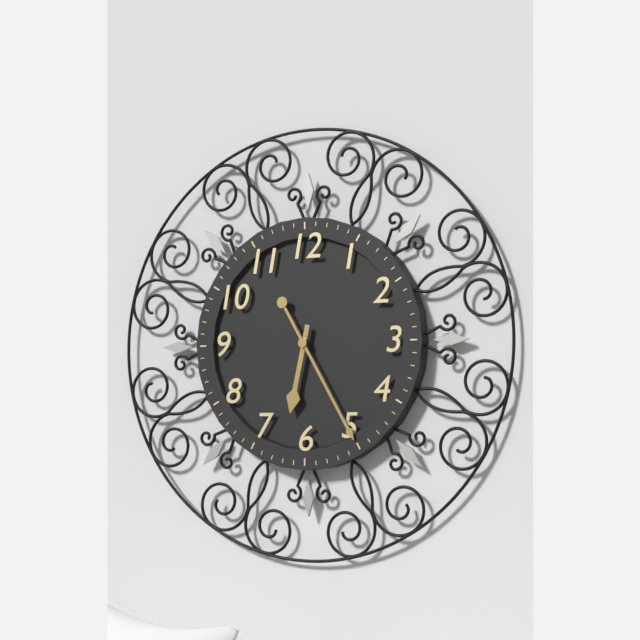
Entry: 6.25
